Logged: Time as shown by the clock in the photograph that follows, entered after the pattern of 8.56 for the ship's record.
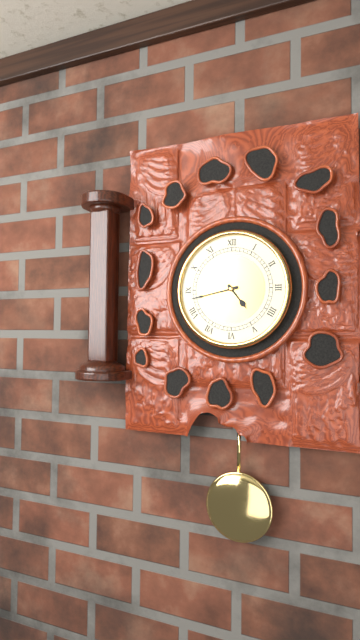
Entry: 4.43
